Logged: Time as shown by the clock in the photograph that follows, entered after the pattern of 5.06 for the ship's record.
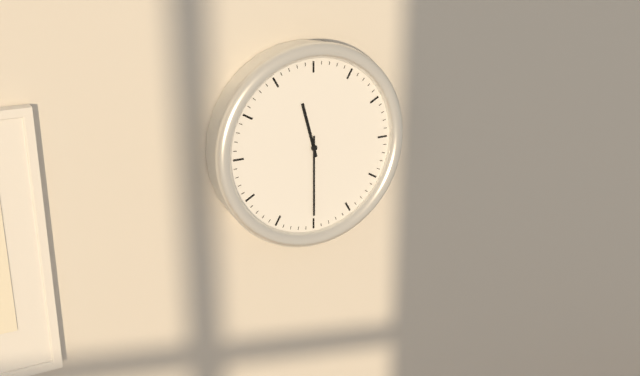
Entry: 11.30
